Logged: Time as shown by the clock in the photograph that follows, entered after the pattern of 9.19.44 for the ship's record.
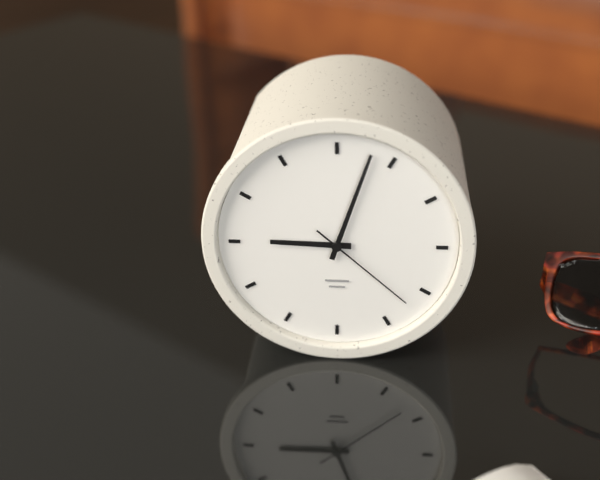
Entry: 9.03.22
